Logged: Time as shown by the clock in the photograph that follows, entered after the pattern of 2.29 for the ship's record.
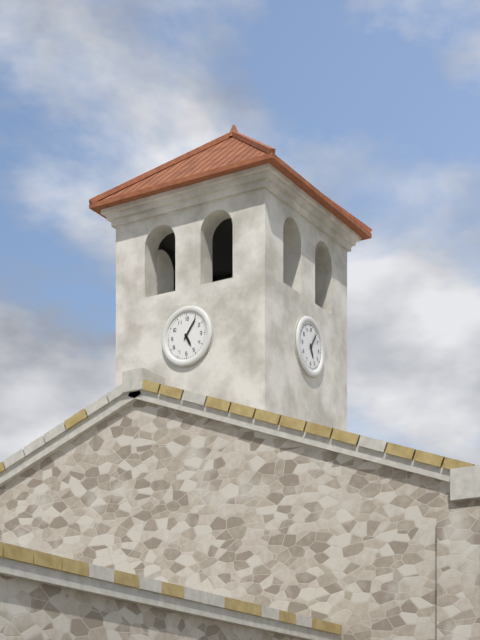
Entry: 5.06
